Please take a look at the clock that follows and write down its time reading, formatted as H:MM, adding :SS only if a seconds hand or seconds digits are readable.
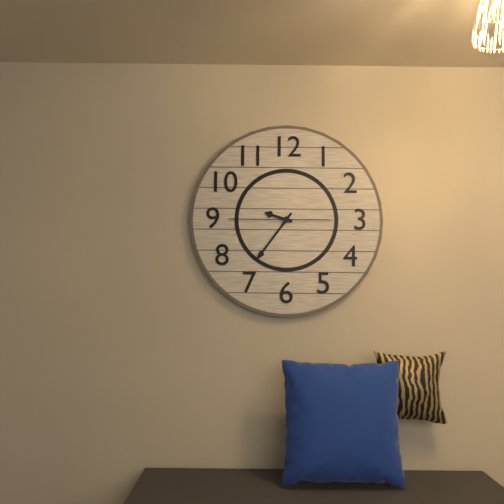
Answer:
9:36:45
